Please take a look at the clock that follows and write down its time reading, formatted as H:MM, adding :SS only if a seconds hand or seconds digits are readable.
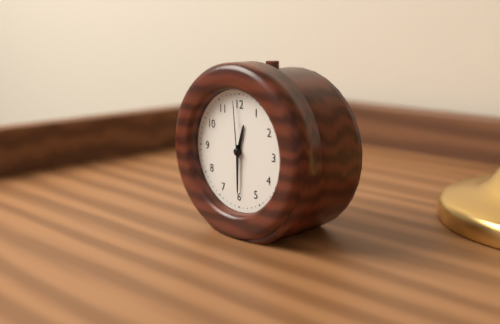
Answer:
12:30:59
